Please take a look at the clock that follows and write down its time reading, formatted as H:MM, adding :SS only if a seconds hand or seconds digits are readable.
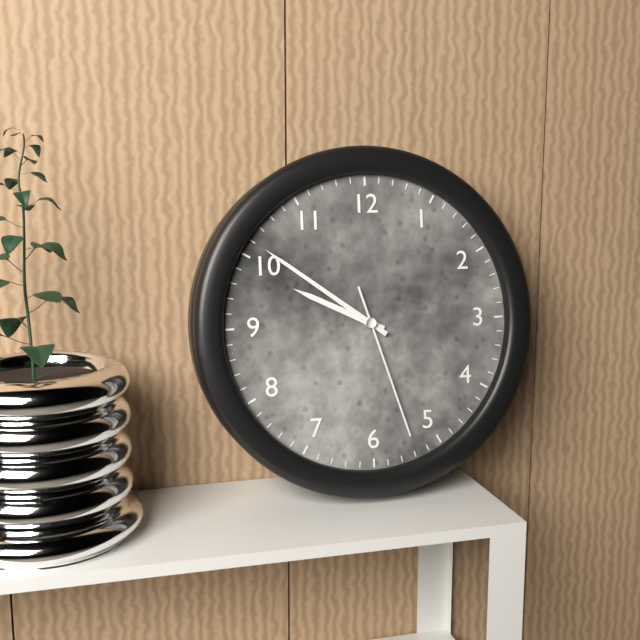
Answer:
9:51:27
